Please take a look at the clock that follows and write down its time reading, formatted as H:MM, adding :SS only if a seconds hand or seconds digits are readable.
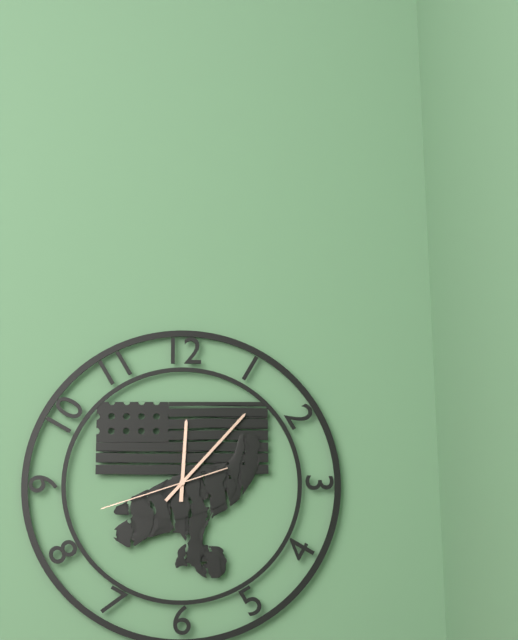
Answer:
12:07:42
